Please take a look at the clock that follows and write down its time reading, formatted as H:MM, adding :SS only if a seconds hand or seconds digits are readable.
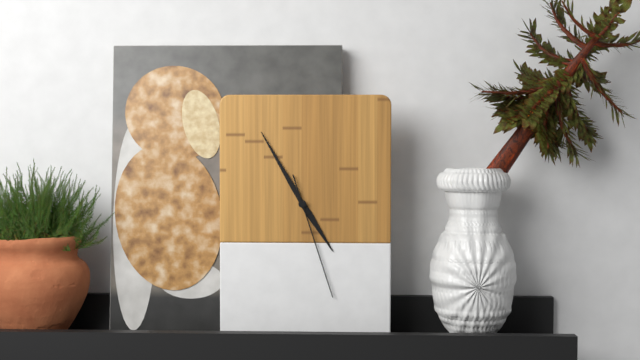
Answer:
4:55:27
